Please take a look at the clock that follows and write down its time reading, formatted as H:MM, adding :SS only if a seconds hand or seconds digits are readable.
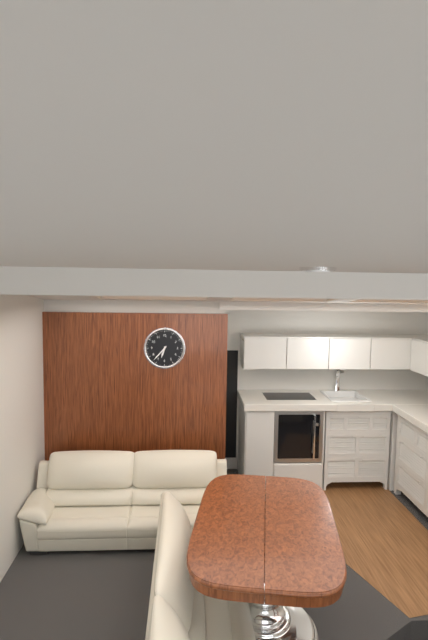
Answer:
6:37
